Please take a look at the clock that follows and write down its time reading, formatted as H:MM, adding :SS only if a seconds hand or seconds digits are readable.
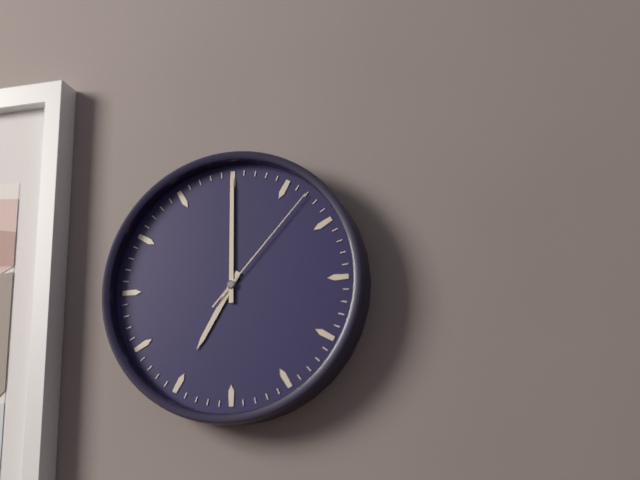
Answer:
7:00:07
